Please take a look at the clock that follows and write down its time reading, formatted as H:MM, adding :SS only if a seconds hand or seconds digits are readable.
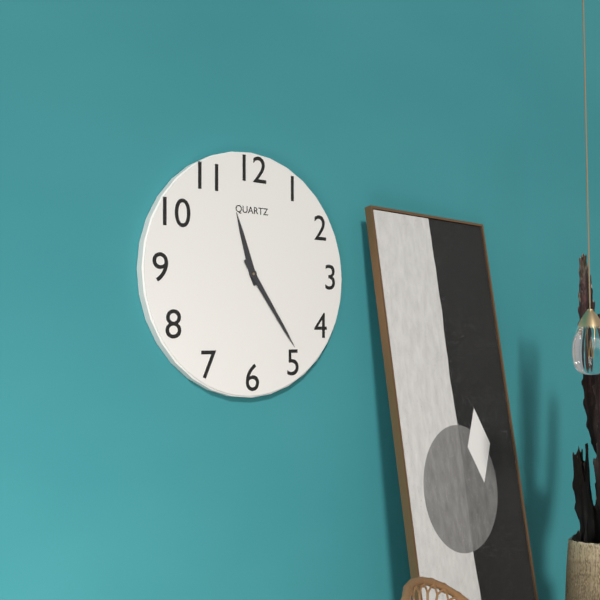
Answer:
11:24
